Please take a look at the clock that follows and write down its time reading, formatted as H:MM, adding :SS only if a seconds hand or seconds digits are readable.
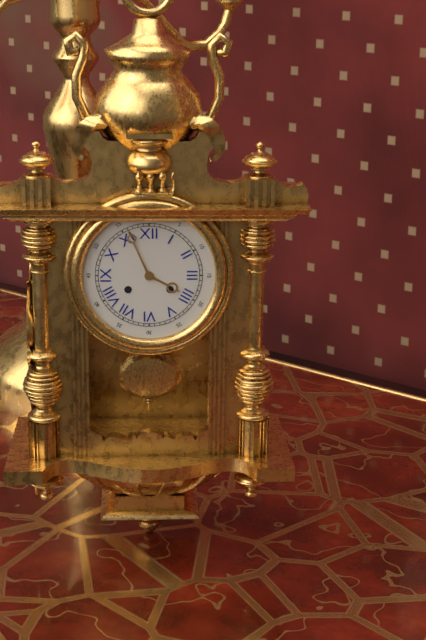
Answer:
3:56
